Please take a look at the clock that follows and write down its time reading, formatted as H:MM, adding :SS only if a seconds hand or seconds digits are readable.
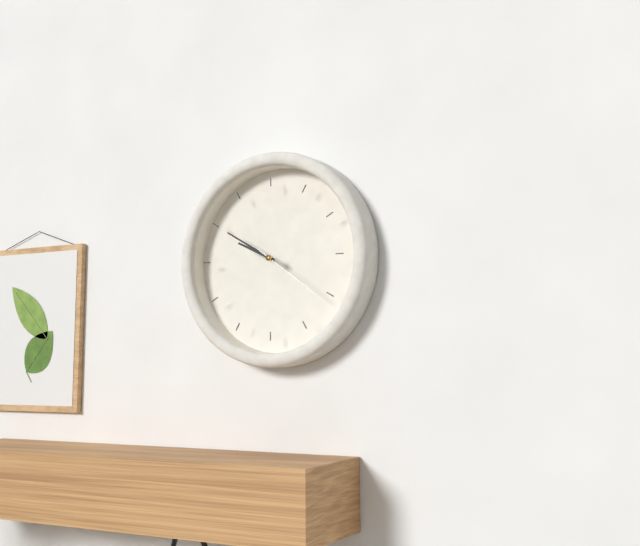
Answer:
9:50:21
